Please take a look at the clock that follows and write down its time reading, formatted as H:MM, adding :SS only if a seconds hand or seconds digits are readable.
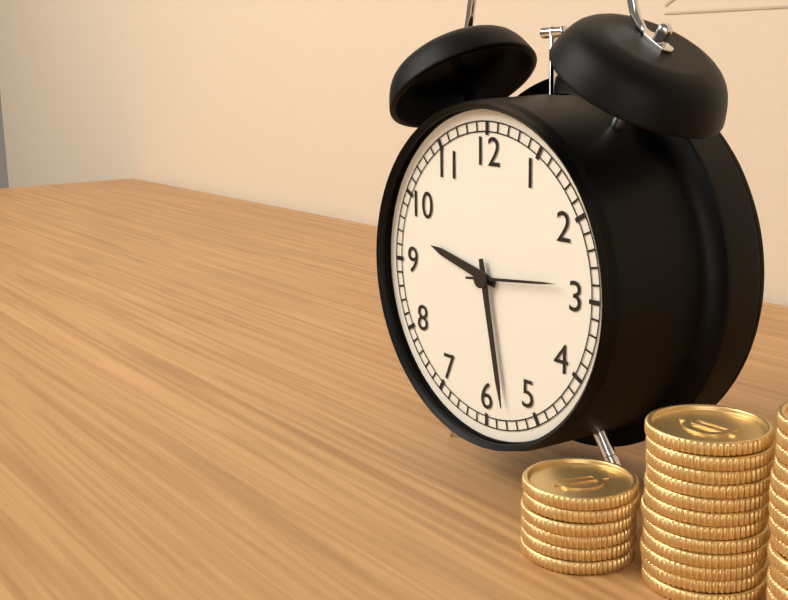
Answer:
9:28:14
